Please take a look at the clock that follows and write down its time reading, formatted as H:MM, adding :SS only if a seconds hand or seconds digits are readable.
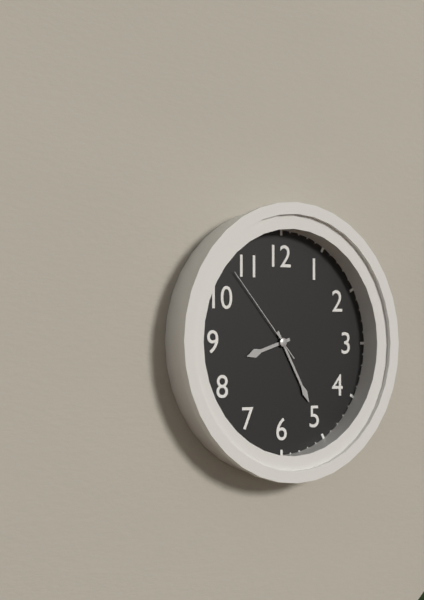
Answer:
8:25:53
